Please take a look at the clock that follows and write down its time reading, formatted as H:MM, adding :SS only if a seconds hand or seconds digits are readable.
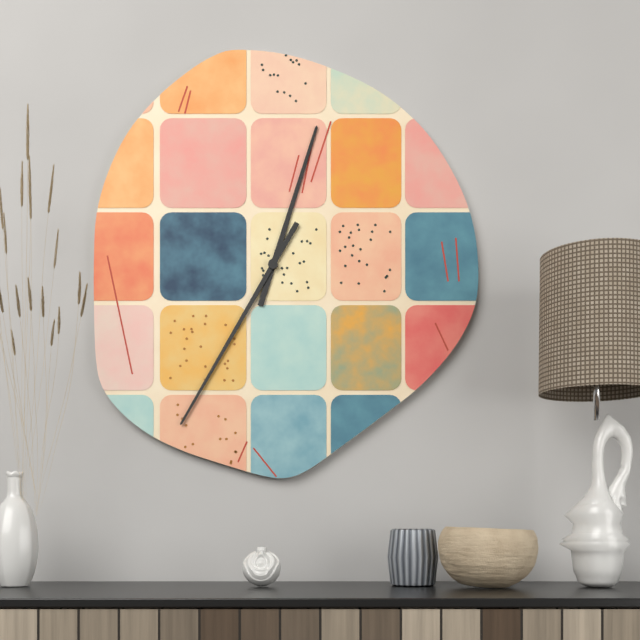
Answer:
12:35
